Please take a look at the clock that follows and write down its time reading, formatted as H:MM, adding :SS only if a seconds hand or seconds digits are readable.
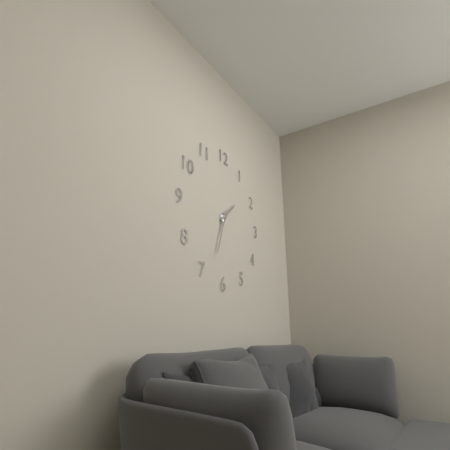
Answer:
1:33
